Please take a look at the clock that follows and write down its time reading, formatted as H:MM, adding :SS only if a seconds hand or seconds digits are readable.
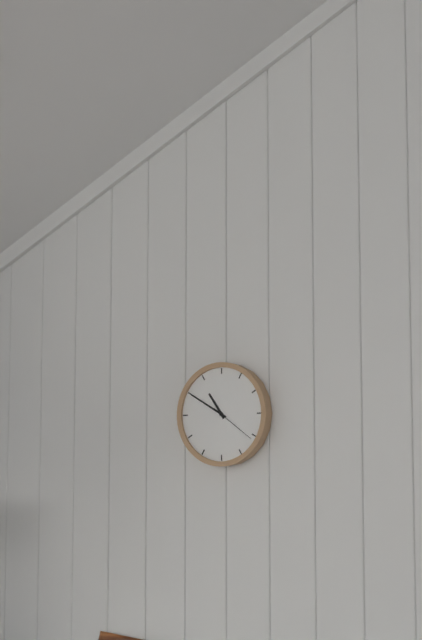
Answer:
10:50
